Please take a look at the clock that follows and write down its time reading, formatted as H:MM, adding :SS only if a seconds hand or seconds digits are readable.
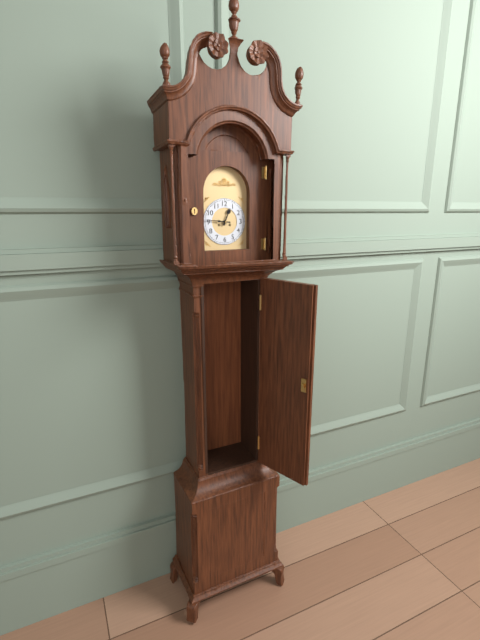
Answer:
12:46
